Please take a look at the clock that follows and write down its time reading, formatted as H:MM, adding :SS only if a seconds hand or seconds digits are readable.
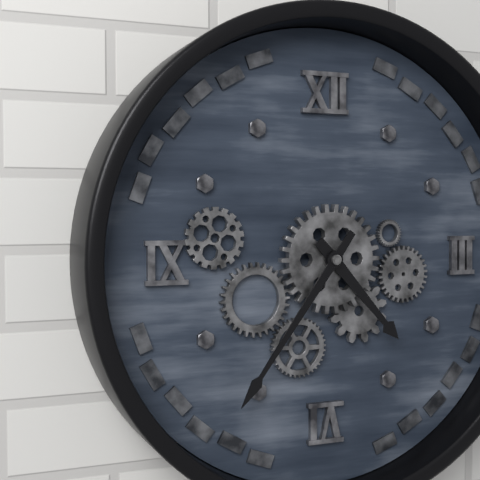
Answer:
4:36
